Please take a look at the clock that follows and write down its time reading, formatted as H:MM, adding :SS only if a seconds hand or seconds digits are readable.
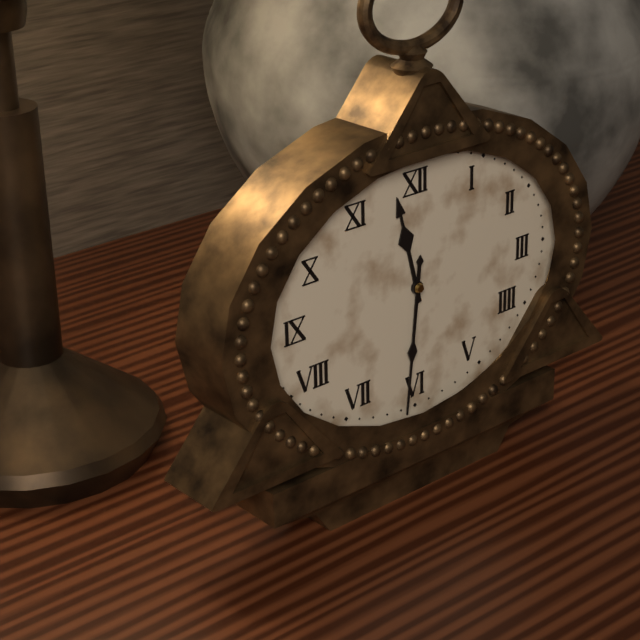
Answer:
11:31
